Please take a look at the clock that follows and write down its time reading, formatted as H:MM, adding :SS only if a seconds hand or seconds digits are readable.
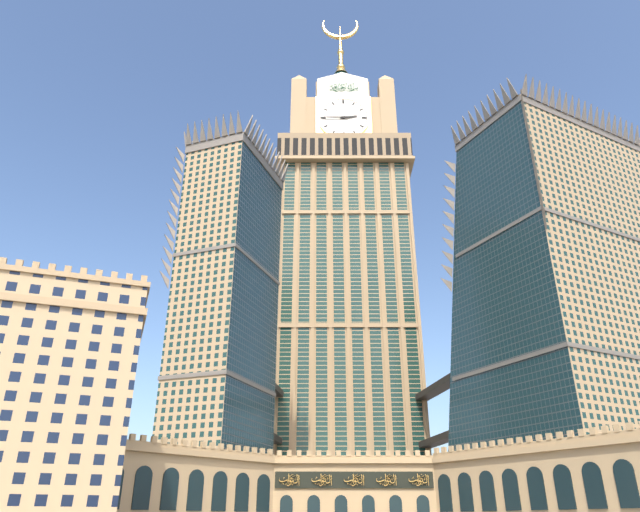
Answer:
2:45
